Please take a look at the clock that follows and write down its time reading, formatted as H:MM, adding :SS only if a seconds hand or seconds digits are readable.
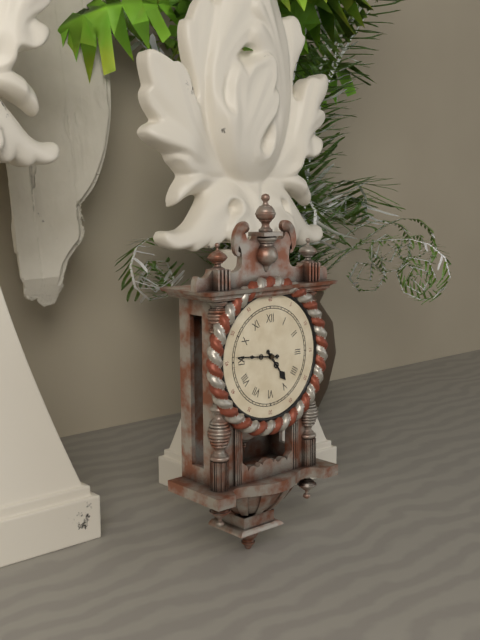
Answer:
4:46
